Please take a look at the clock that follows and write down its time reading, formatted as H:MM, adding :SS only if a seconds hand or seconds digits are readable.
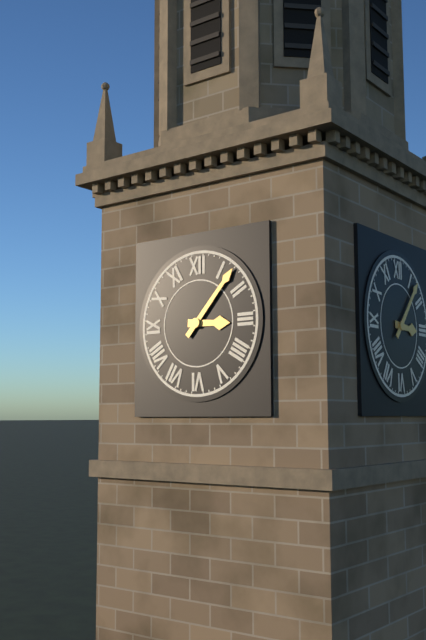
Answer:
3:07
